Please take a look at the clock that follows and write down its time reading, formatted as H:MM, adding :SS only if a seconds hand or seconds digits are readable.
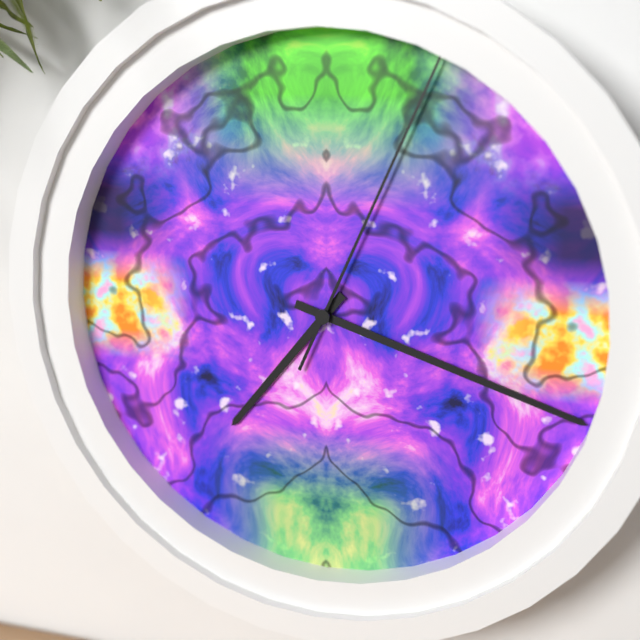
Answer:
7:18:04
